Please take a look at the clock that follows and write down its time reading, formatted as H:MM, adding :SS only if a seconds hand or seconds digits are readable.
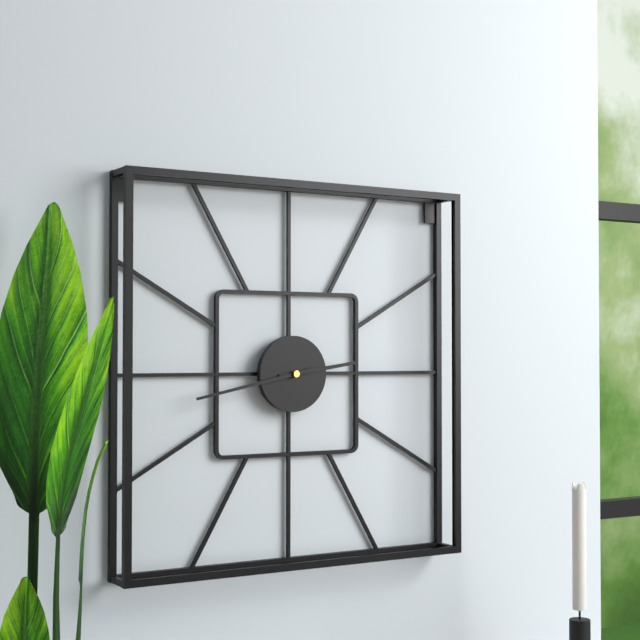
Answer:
2:43
